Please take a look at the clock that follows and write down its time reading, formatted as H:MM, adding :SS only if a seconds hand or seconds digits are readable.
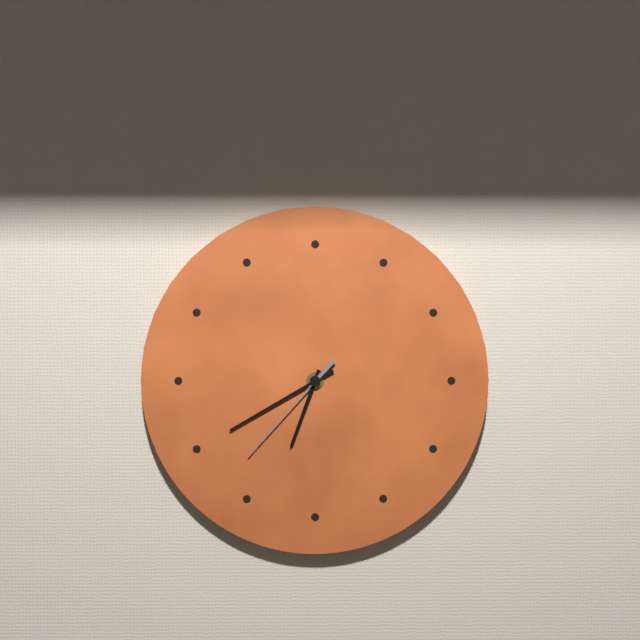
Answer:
6:40:37
